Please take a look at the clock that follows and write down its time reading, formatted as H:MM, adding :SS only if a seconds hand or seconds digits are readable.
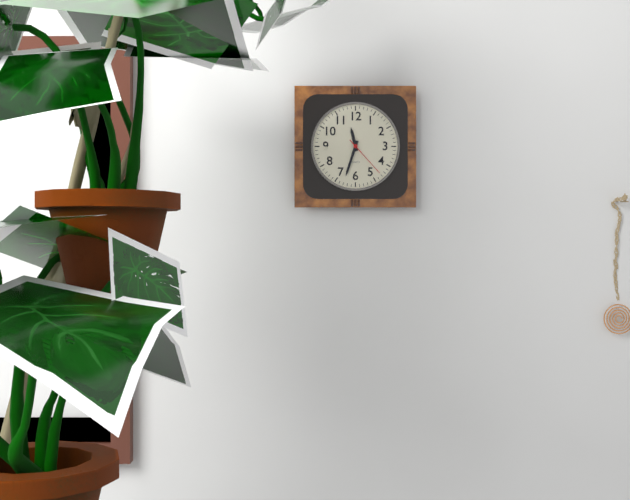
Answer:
11:33
